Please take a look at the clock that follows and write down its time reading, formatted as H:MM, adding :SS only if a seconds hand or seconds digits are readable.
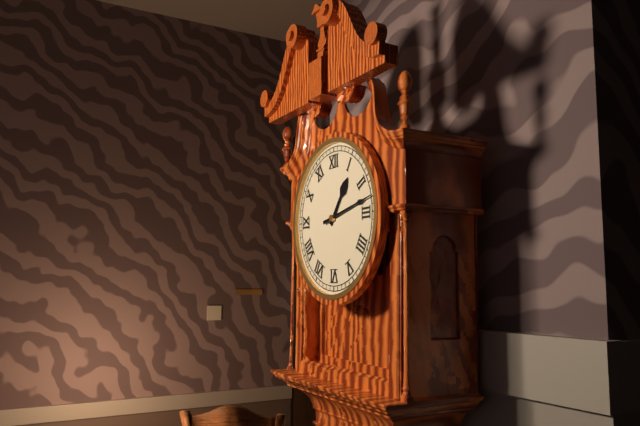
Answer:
1:13
